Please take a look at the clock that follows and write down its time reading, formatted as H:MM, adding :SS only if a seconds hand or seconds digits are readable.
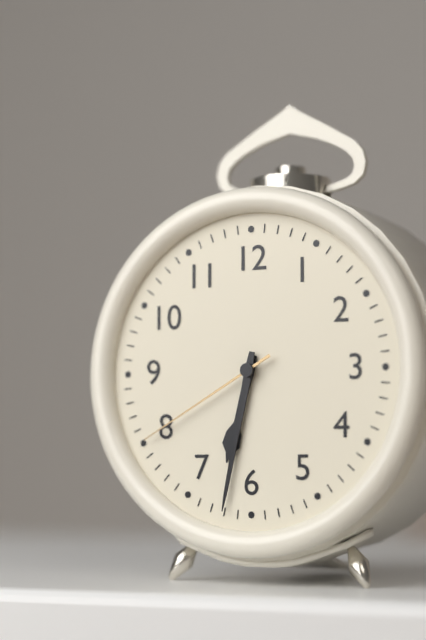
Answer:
6:32:40
